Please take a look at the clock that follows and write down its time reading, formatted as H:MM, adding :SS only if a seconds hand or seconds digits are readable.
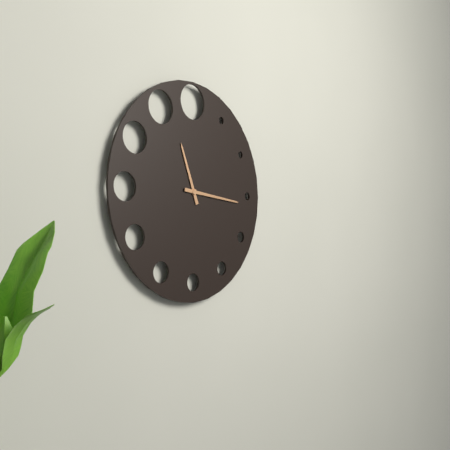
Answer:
11:16
